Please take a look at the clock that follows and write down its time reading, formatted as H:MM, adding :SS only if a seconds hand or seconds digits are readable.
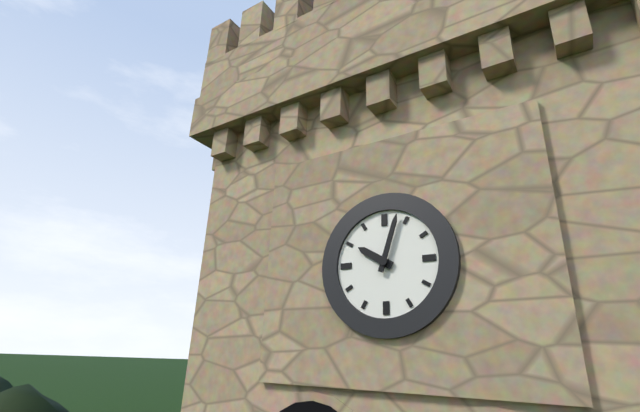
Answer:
10:03
